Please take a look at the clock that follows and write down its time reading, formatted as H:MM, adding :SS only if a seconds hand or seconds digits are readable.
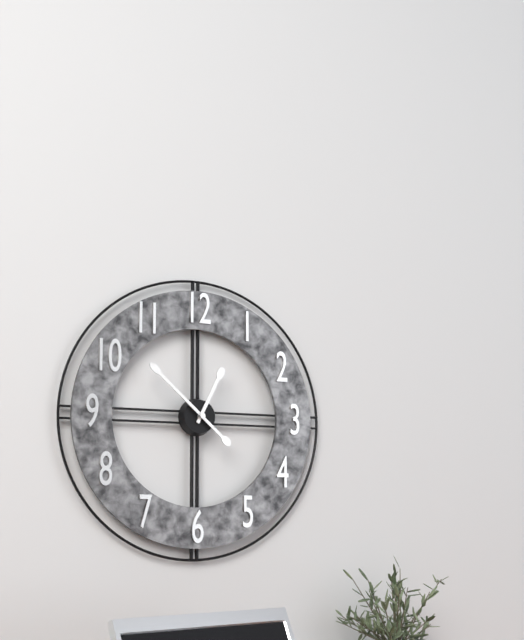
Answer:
12:52
